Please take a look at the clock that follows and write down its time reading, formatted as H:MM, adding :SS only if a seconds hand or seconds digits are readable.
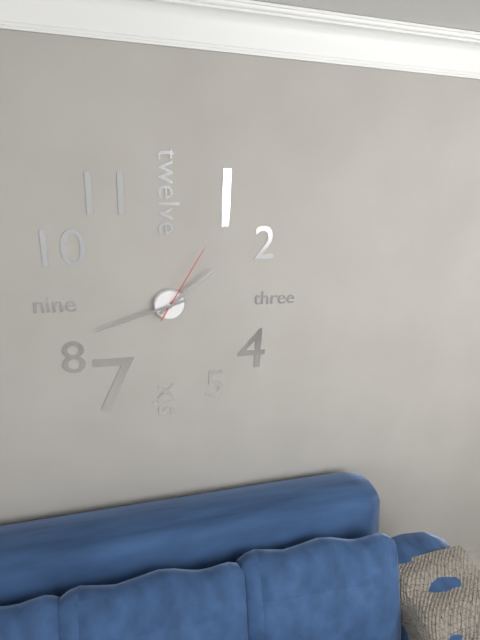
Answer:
1:42:05
